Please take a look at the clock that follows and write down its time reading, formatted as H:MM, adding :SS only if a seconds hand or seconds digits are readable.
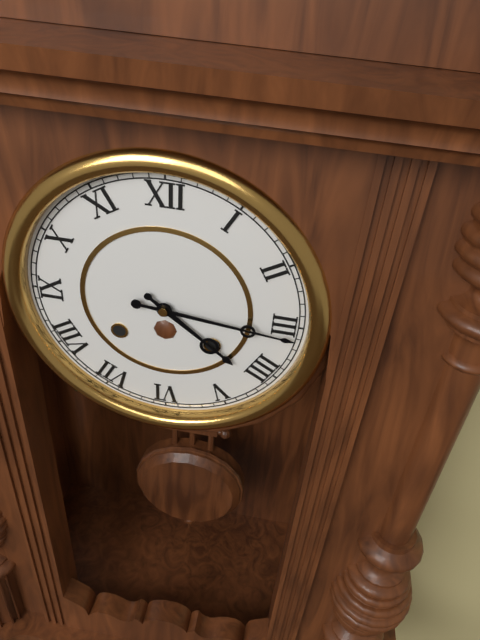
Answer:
4:16
